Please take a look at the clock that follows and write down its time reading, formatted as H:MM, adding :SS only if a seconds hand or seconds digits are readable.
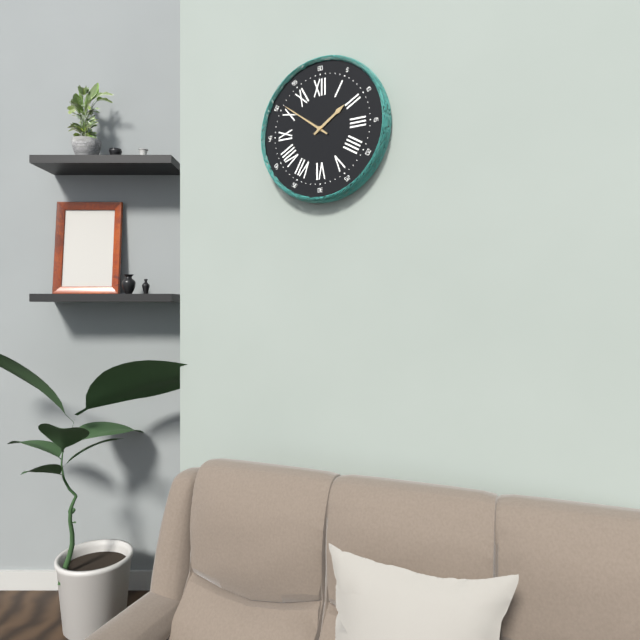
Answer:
1:51
